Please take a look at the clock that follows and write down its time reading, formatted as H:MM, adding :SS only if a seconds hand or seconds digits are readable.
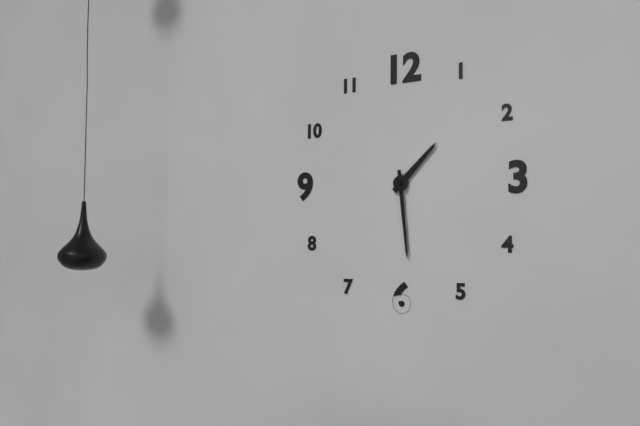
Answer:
1:29
